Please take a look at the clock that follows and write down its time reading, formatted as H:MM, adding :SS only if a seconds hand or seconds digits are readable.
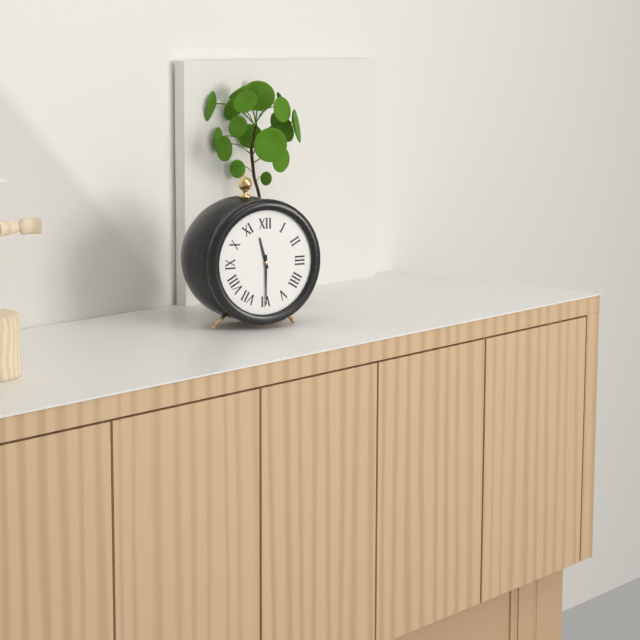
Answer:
11:30
